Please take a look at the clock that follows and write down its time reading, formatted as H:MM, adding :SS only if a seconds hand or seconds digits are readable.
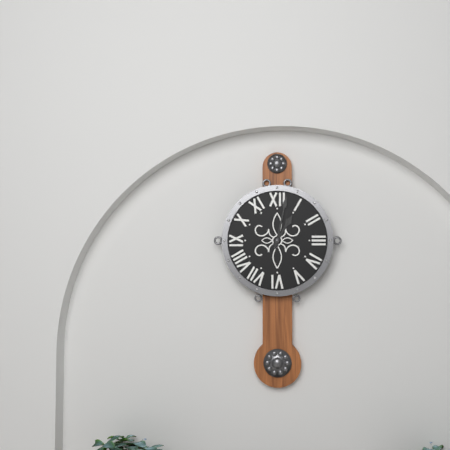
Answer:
1:02
